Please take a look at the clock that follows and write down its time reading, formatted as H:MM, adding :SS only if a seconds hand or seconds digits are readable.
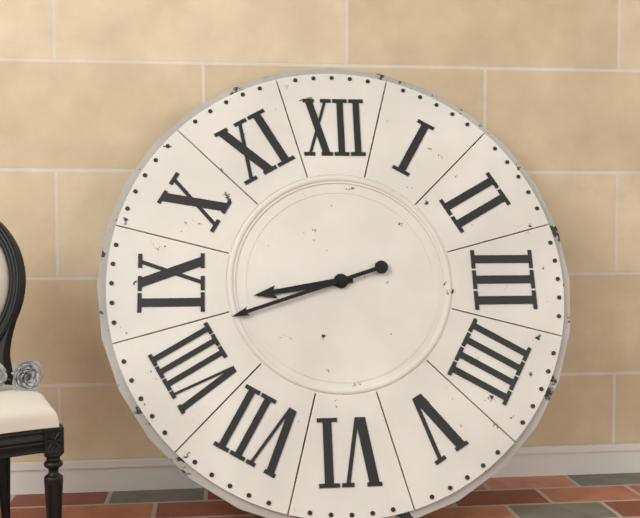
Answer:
8:42
